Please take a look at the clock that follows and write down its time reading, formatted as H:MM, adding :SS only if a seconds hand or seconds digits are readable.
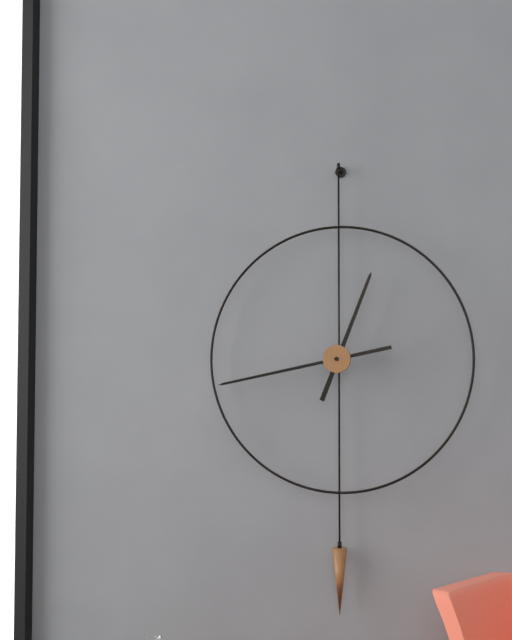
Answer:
12:43
